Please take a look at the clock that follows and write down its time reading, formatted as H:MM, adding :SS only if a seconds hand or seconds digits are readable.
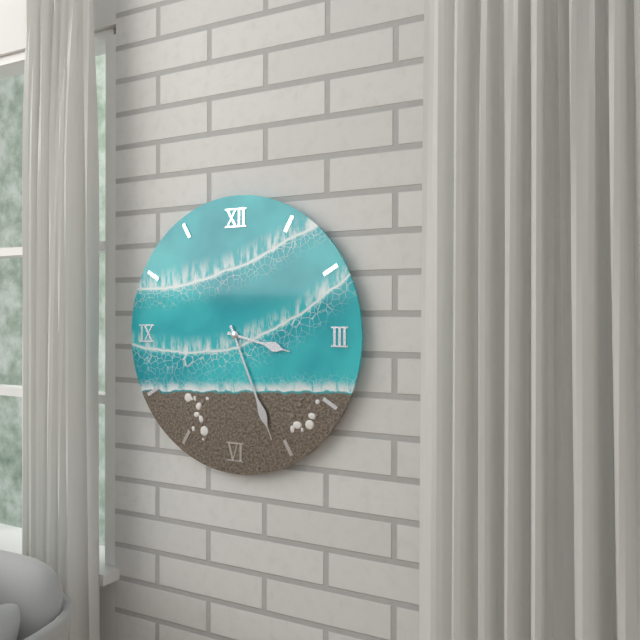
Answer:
3:26
